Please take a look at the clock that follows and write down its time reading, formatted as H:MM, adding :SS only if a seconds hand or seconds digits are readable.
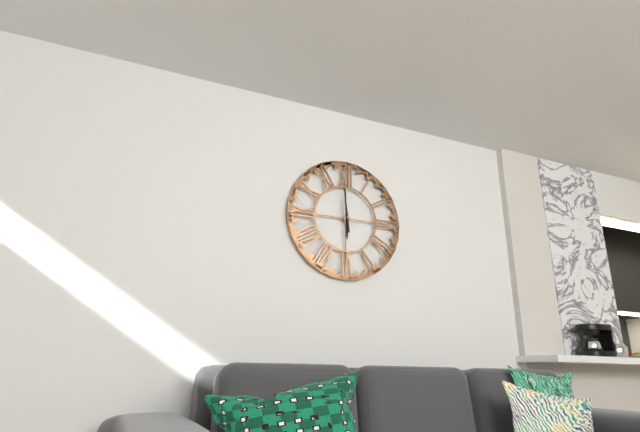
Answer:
5:59
